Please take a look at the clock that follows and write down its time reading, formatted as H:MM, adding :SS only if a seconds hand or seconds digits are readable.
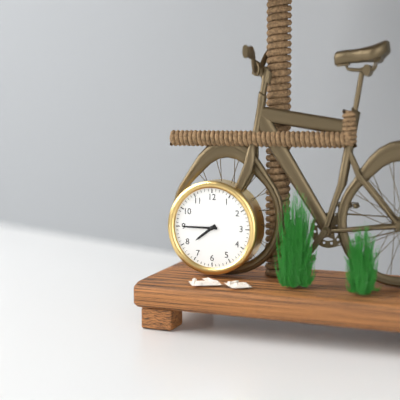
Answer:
7:45
